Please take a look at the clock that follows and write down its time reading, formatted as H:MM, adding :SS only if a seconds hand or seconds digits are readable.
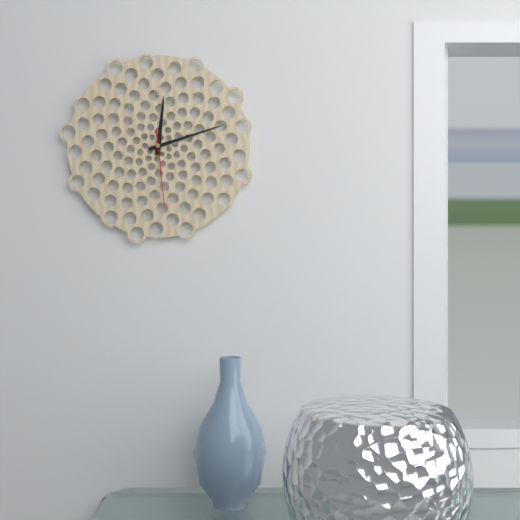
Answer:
12:12:29
